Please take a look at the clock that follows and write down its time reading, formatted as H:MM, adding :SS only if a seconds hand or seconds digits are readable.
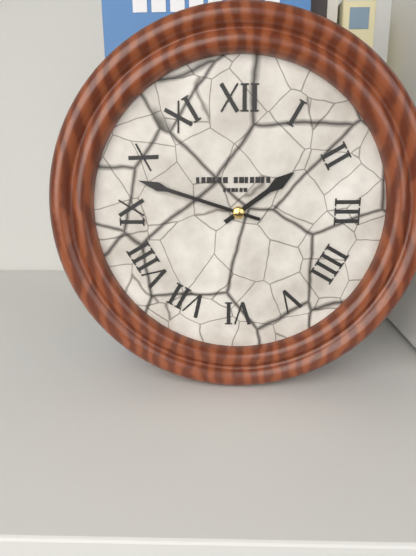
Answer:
1:48
